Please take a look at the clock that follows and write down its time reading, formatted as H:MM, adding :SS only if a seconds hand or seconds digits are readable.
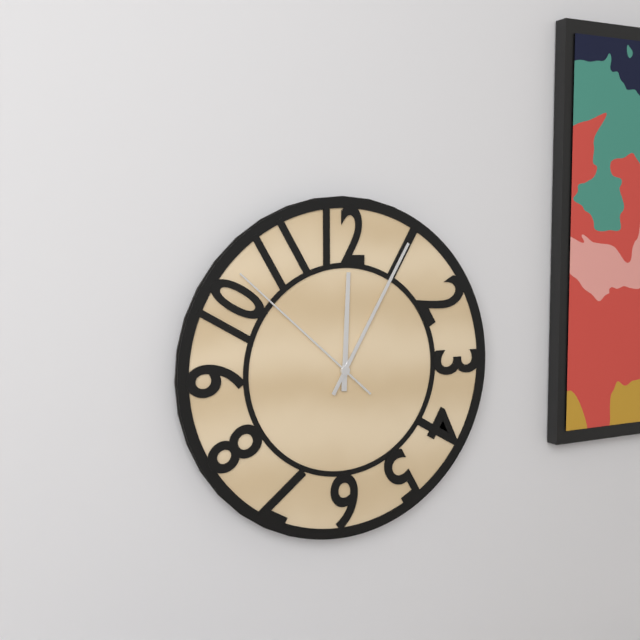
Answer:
12:05:52
